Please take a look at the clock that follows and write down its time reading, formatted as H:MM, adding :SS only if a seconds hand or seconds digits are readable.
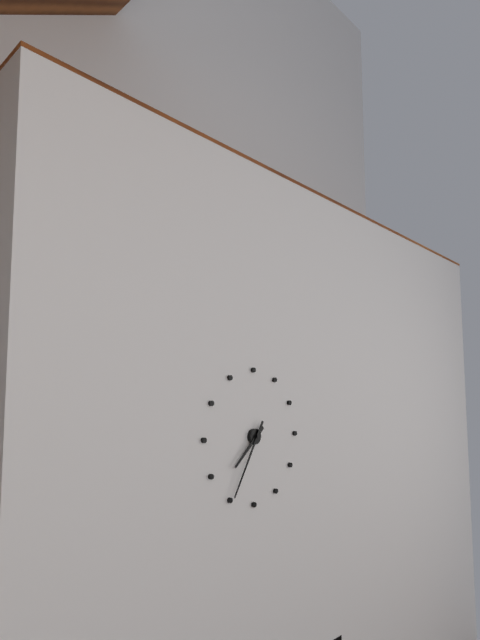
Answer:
7:35
